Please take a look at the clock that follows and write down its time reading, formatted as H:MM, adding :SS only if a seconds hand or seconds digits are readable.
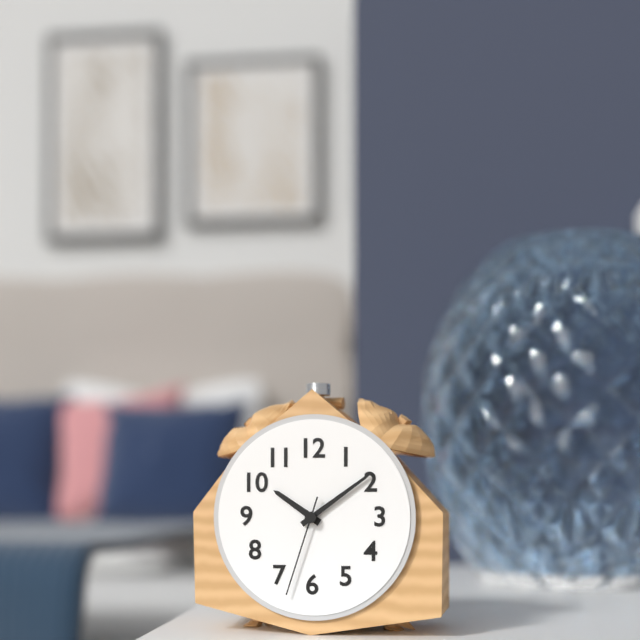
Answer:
10:09:33
